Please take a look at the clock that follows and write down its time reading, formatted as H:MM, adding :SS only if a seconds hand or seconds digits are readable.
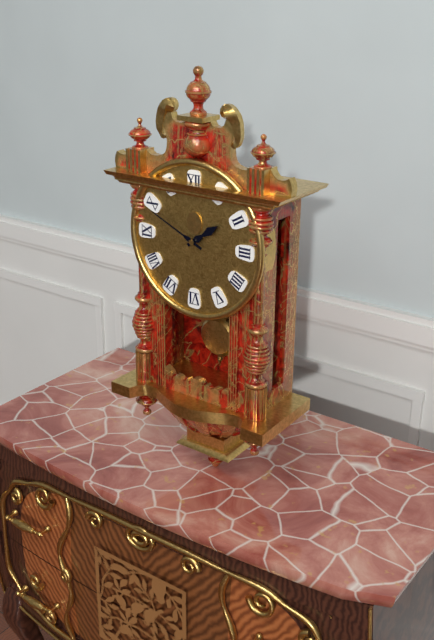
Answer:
1:49
